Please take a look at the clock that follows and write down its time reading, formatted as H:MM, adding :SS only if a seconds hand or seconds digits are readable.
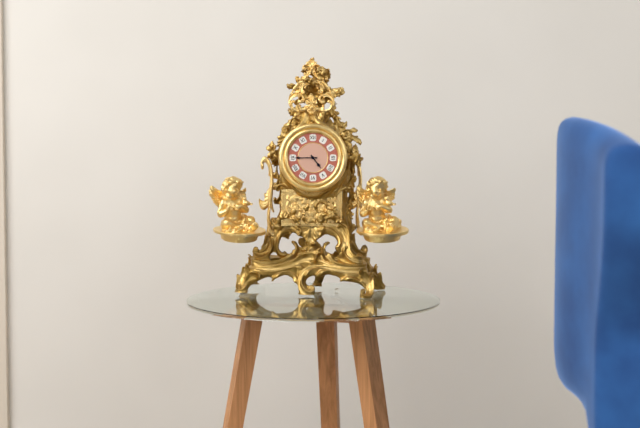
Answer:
4:45
